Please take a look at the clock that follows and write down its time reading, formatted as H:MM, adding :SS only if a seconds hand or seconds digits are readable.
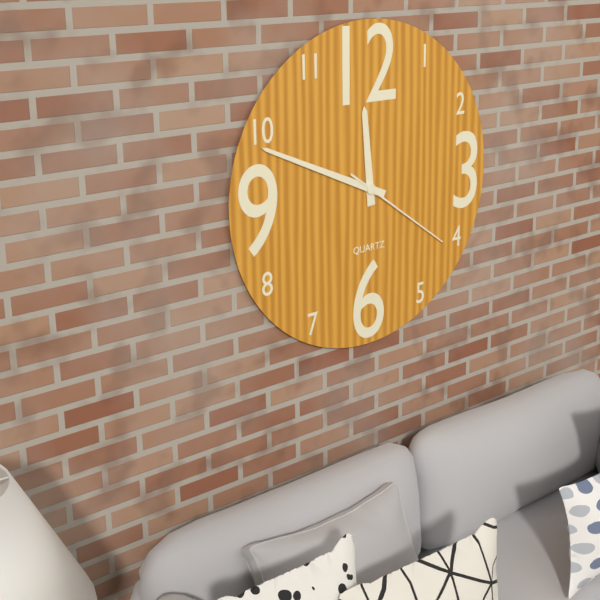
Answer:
11:49:21
